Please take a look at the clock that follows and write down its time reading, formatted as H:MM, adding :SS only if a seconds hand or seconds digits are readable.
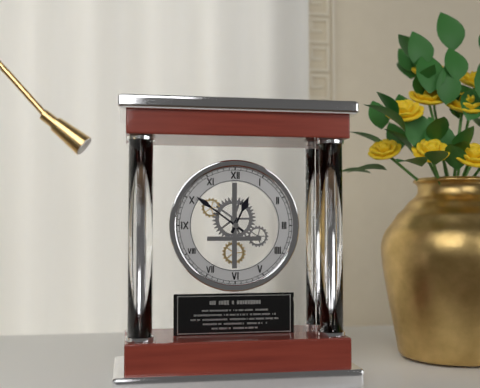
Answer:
12:51
